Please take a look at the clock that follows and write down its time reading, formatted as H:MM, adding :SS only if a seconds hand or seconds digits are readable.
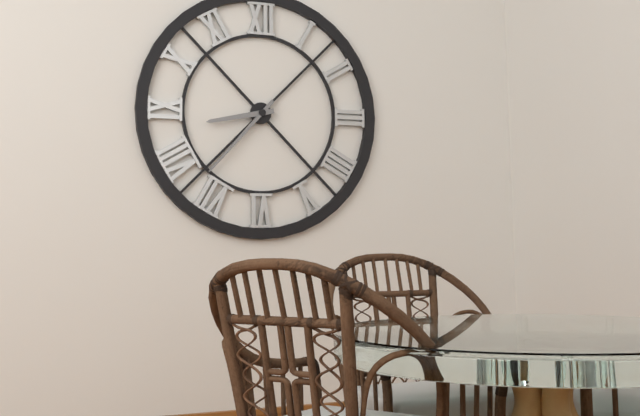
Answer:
8:37
